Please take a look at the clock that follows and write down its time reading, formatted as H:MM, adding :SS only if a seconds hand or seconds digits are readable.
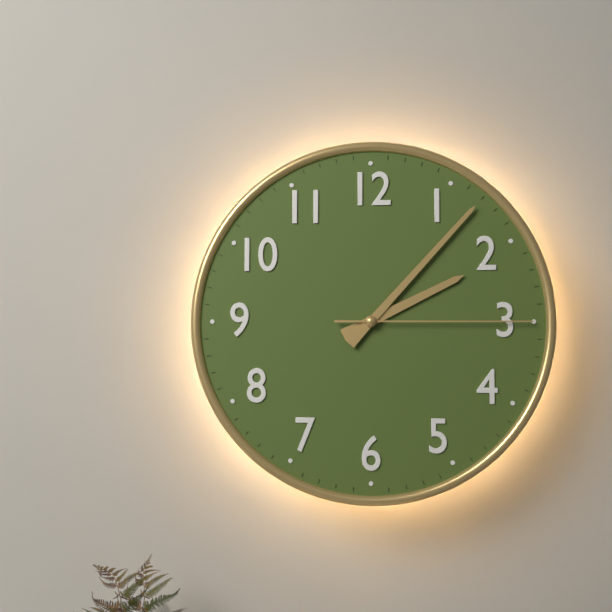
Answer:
2:07:15
